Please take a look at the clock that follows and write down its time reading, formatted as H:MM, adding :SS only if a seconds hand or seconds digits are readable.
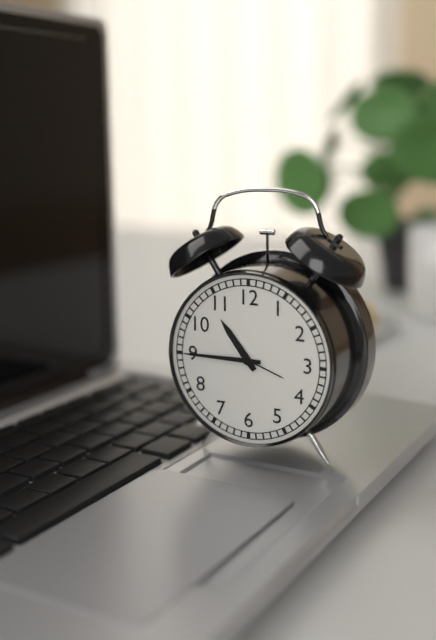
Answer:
10:45
